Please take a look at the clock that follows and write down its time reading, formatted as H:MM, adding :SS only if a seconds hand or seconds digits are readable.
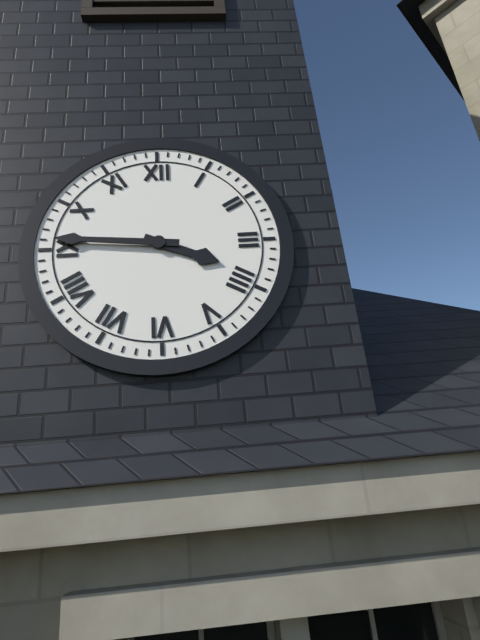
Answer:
3:46
